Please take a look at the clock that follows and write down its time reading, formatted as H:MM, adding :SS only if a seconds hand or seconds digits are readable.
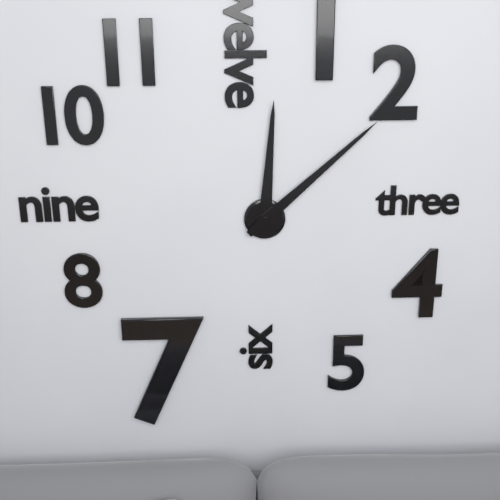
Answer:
12:08
